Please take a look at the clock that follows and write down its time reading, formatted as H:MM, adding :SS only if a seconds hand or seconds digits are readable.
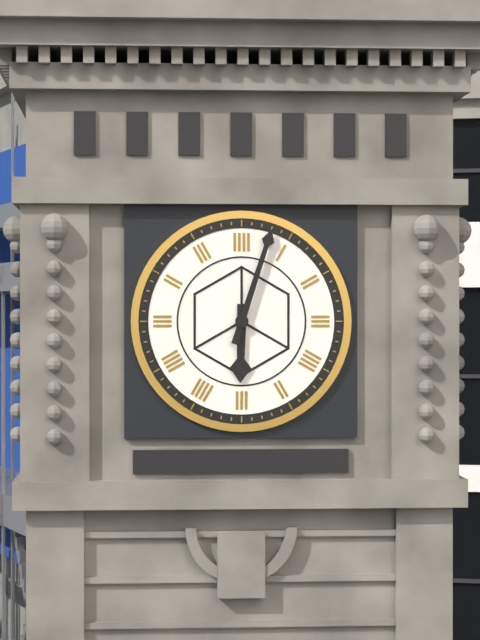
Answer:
6:03
